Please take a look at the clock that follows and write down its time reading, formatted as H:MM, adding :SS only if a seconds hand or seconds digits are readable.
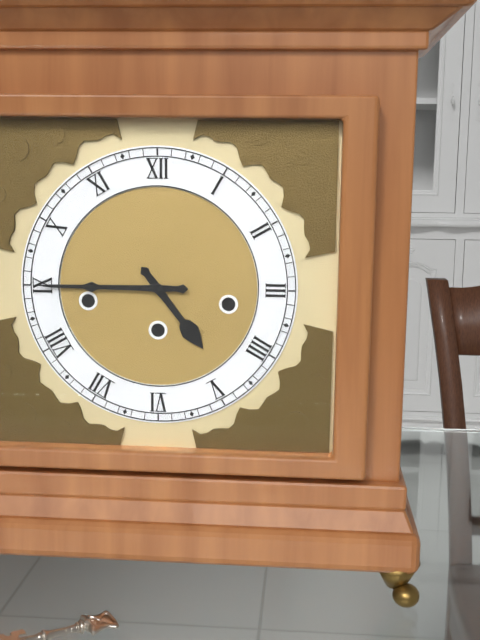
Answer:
4:45
